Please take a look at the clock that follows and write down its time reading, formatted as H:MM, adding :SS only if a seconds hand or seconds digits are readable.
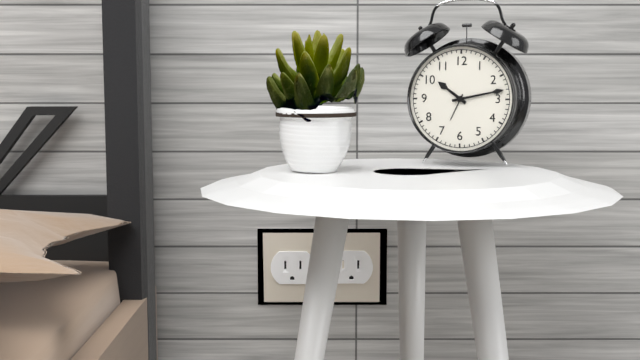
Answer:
10:13
